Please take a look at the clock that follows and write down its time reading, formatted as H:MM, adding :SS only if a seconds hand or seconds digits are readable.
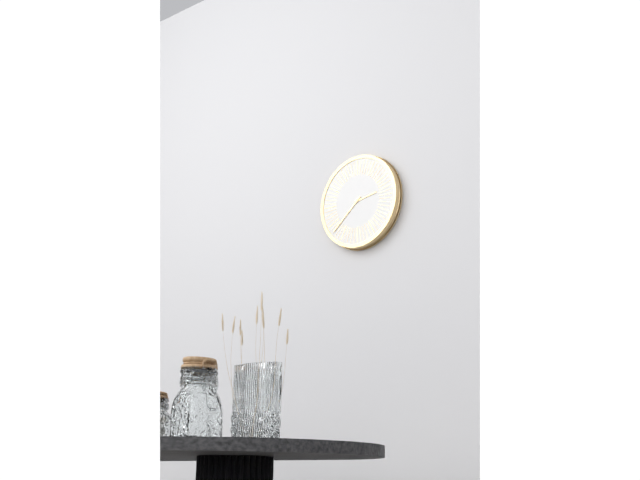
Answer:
2:38
